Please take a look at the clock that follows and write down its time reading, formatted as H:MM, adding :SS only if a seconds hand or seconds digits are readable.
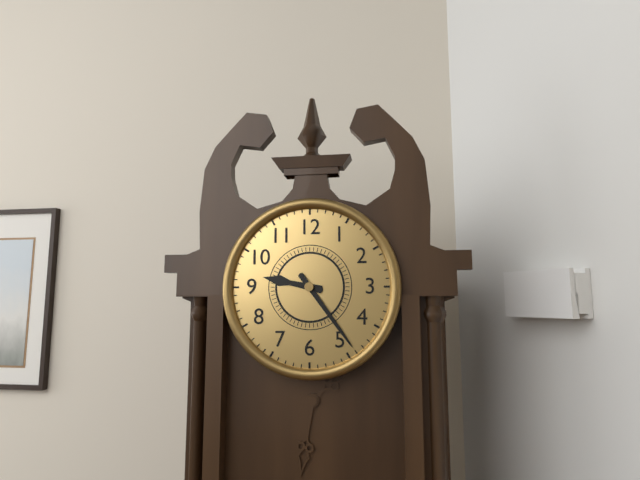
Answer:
9:24
